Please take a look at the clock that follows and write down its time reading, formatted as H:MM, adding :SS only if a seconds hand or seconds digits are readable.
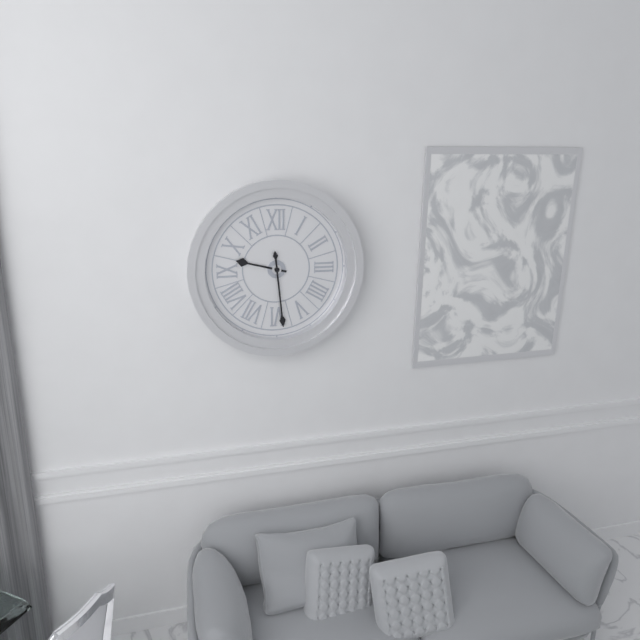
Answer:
9:29
